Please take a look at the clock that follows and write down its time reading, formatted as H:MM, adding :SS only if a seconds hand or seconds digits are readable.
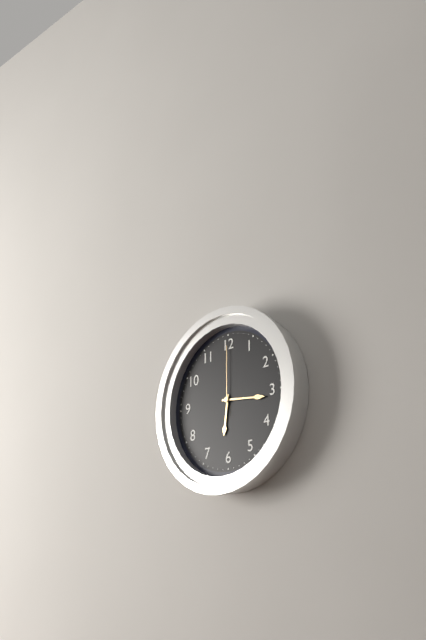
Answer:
6:16:00
